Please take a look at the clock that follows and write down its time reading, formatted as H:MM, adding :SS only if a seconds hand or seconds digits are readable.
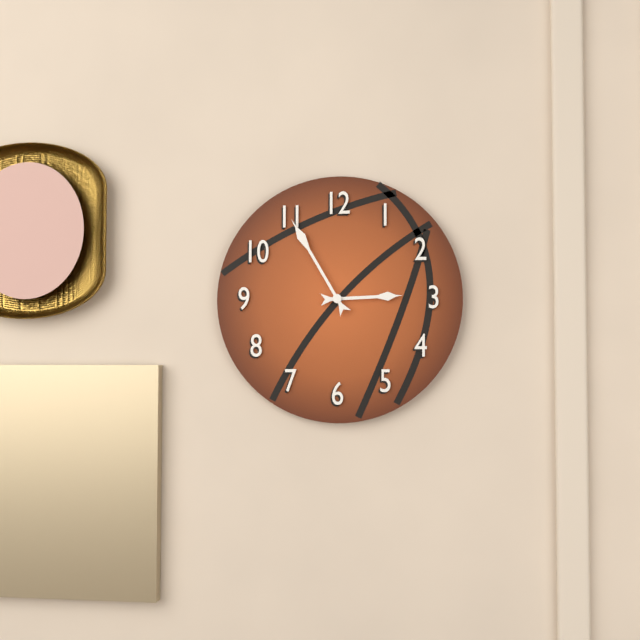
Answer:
2:55
